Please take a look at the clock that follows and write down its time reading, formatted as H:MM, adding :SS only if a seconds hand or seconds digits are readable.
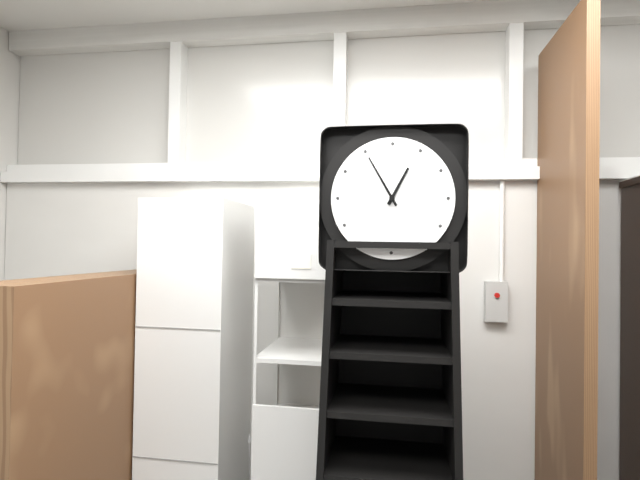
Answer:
12:55
